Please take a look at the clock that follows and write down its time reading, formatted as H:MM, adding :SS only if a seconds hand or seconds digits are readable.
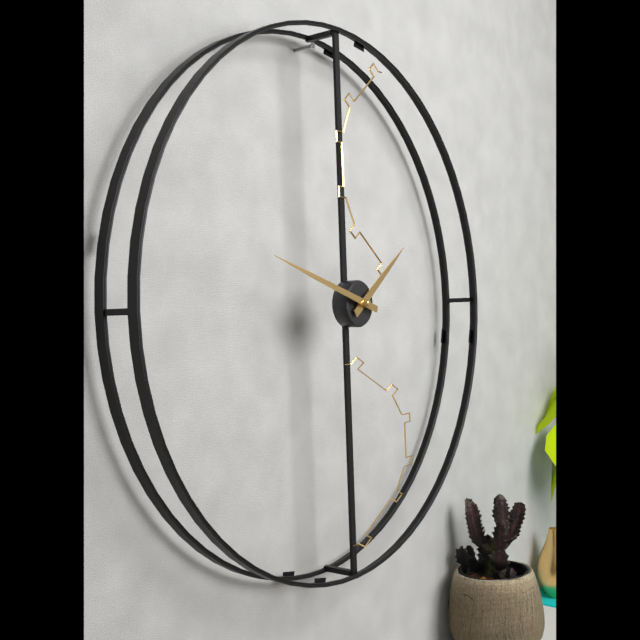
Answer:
1:48
